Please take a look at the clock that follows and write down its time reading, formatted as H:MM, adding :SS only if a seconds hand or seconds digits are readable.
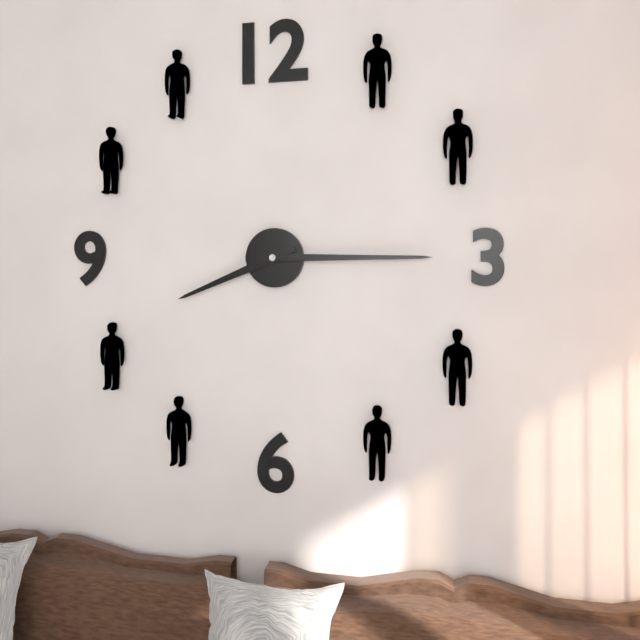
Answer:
8:15
